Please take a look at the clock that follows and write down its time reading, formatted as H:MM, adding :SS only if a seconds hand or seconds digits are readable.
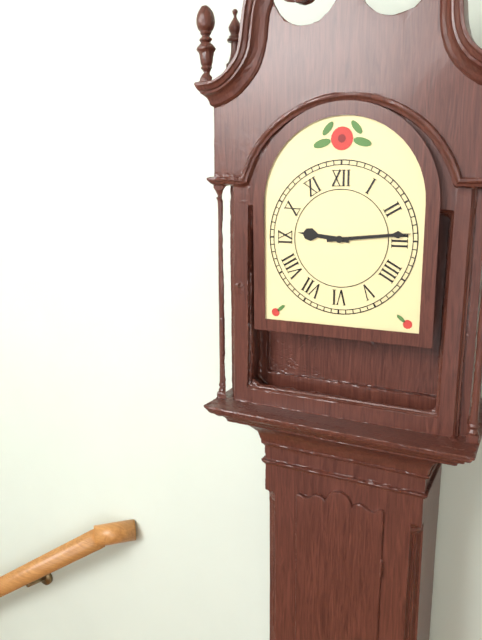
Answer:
9:14
